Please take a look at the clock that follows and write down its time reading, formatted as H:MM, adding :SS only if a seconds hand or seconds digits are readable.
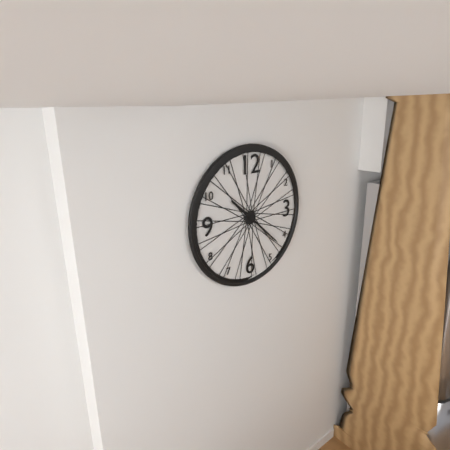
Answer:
10:22
